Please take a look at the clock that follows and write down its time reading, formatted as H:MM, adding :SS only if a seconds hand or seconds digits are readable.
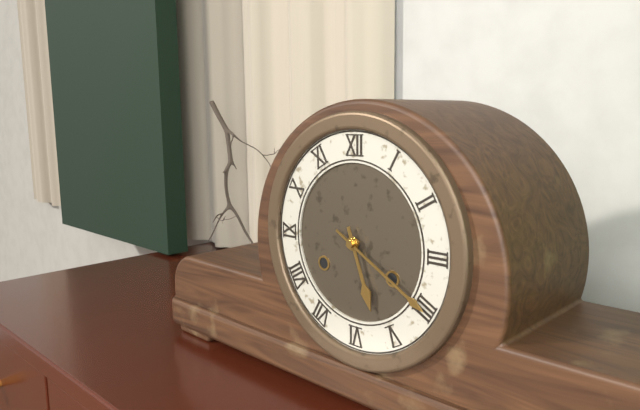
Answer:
5:20
